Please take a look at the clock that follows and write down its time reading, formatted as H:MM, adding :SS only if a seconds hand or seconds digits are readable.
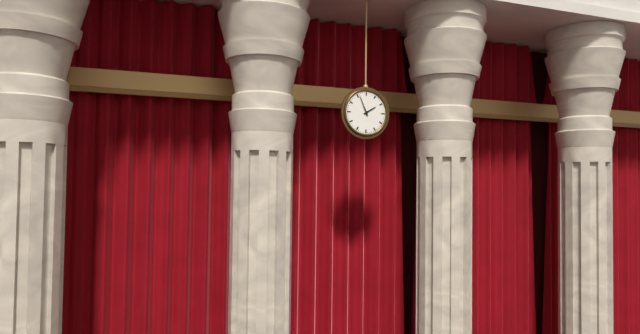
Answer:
1:56
